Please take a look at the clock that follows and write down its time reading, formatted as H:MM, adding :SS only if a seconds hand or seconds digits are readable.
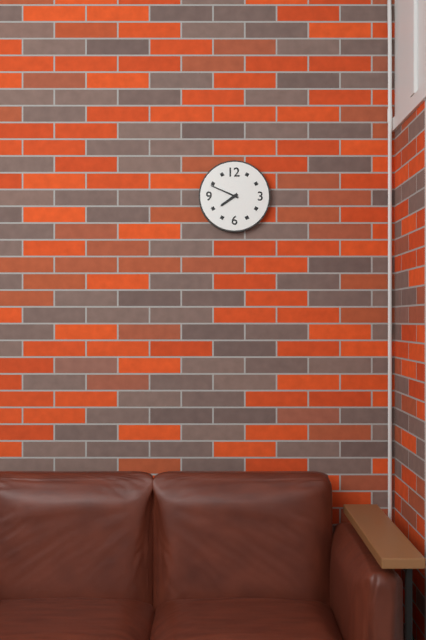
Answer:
7:49
